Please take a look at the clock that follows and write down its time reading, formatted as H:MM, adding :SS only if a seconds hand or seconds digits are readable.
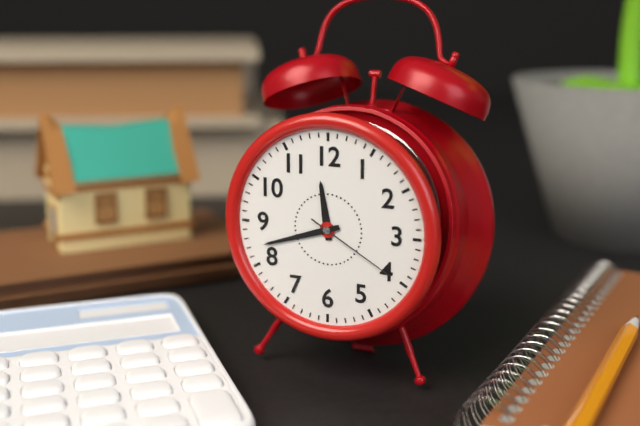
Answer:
11:42:20
